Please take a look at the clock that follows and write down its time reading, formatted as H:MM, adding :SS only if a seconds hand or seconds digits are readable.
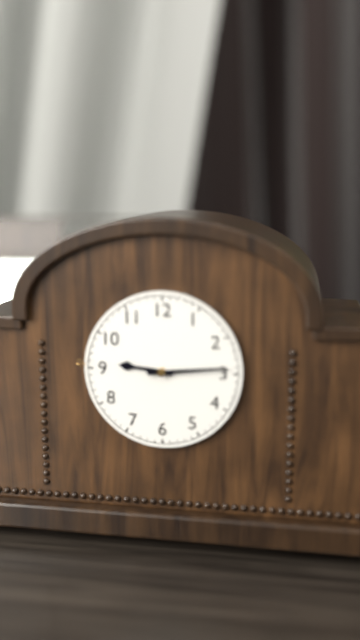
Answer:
9:14
